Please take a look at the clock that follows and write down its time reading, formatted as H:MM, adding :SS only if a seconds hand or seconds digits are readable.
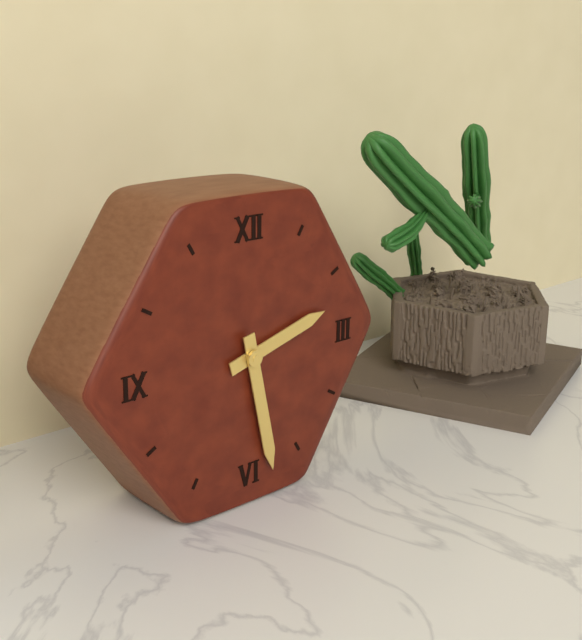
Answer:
2:28
